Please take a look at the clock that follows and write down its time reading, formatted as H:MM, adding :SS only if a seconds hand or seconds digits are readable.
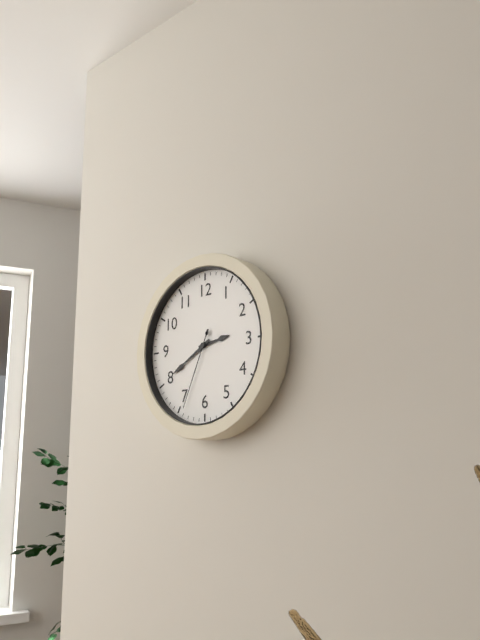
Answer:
2:40:34
